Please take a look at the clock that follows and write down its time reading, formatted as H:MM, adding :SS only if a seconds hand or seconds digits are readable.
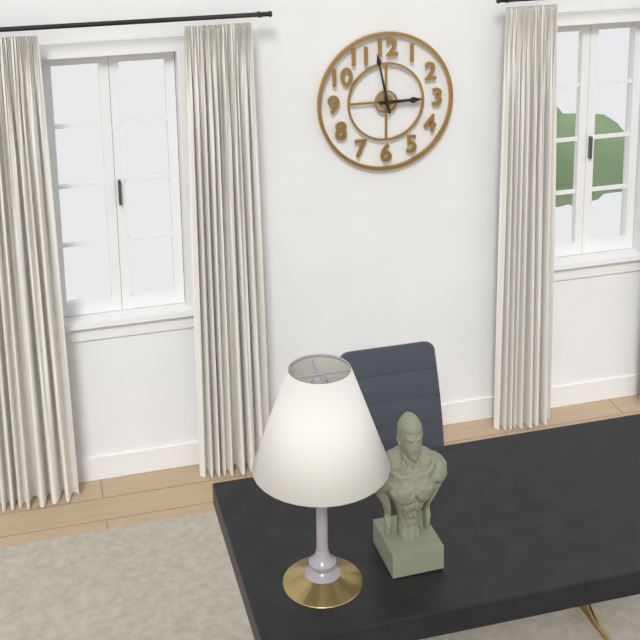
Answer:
2:58
